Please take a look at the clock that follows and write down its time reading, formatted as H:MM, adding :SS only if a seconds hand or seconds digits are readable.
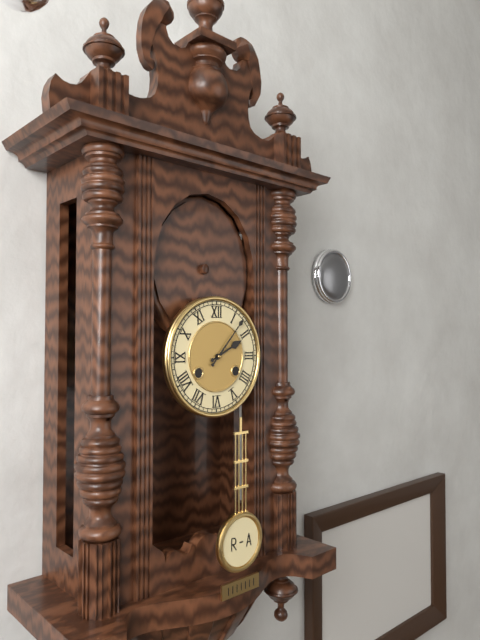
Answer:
2:07
